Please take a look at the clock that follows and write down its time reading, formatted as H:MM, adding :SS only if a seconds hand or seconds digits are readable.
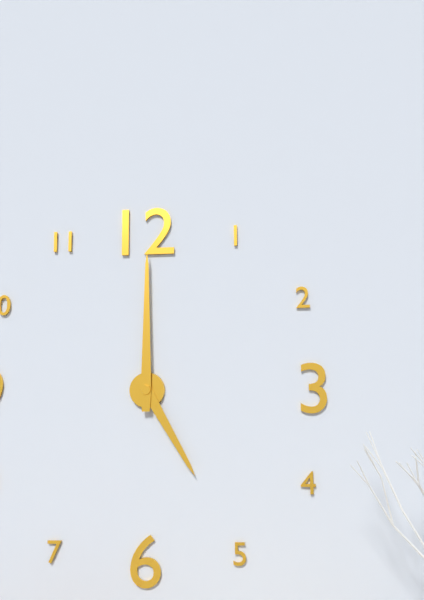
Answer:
5:00
